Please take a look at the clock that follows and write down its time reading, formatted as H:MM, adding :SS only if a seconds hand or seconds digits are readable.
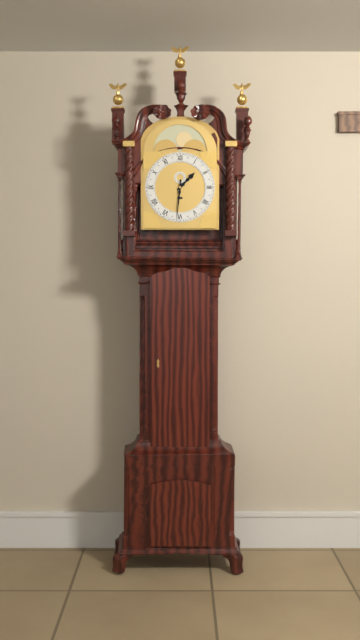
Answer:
1:31
